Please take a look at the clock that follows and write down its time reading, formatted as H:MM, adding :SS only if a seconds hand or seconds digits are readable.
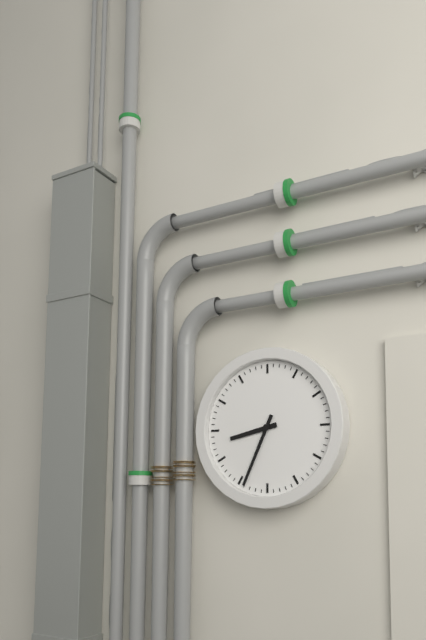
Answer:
8:34
